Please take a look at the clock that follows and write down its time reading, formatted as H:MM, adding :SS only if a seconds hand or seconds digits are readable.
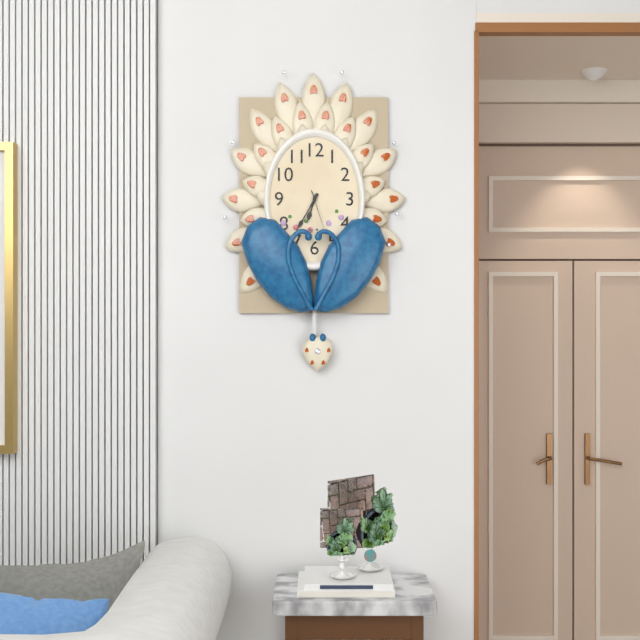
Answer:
6:35
